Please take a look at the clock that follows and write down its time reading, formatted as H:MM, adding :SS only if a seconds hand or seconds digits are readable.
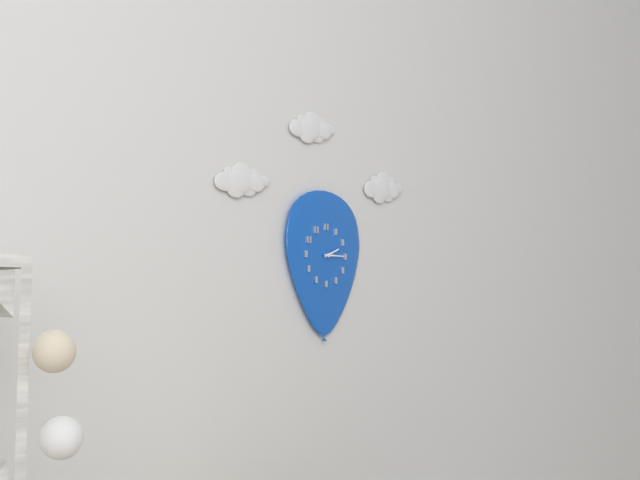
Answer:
2:15
